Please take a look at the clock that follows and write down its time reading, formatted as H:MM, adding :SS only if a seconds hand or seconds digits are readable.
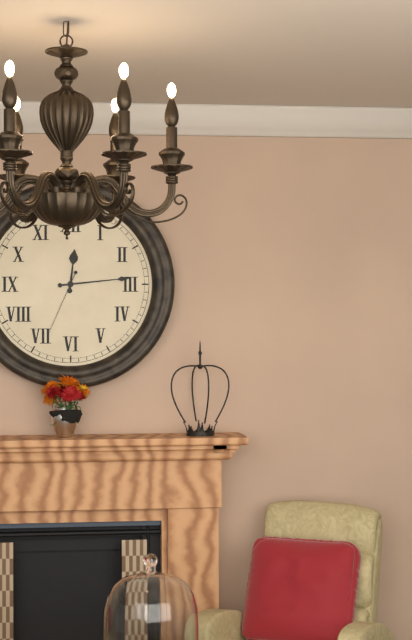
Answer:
12:14:34
